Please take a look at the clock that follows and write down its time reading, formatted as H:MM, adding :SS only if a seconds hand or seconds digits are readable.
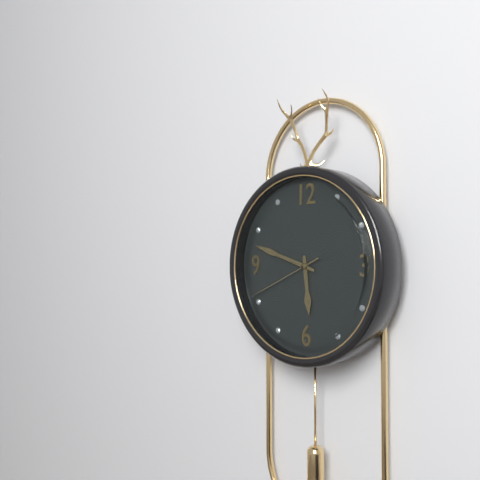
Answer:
5:48:41
